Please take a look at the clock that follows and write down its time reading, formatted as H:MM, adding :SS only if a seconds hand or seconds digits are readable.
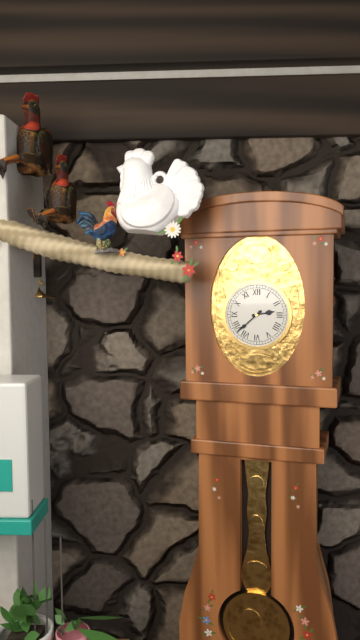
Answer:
2:38
